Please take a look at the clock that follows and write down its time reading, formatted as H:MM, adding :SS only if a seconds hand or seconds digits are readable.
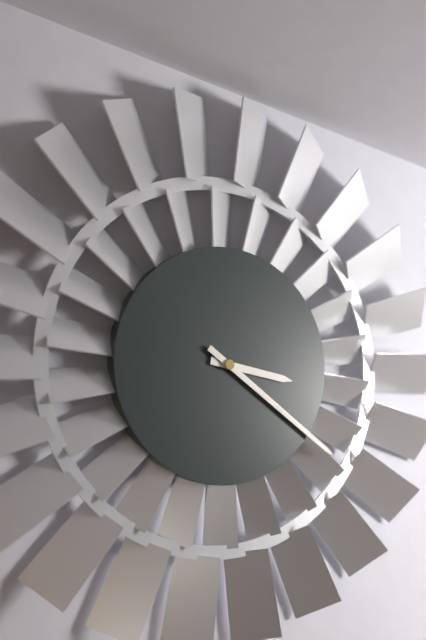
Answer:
3:21
